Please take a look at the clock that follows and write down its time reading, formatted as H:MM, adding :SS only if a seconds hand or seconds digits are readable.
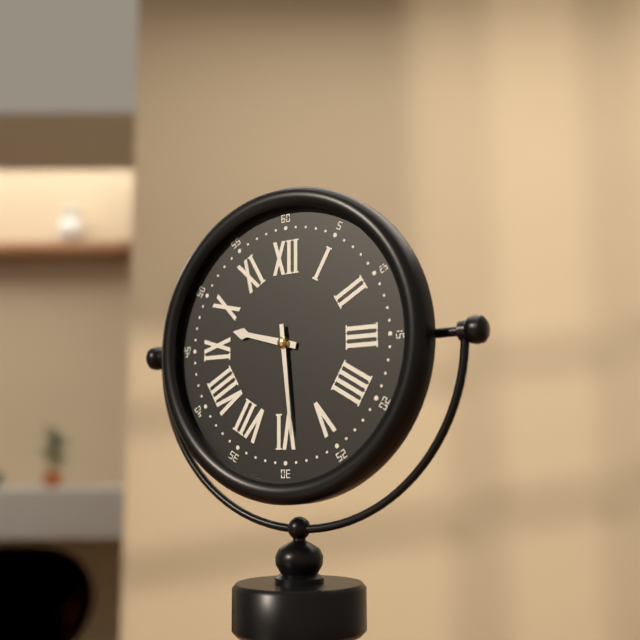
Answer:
9:29
